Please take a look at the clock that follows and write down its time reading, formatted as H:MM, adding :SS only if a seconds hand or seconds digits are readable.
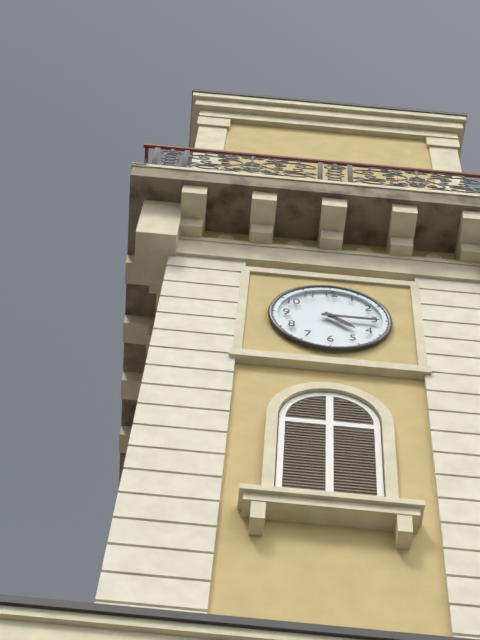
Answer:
4:15
